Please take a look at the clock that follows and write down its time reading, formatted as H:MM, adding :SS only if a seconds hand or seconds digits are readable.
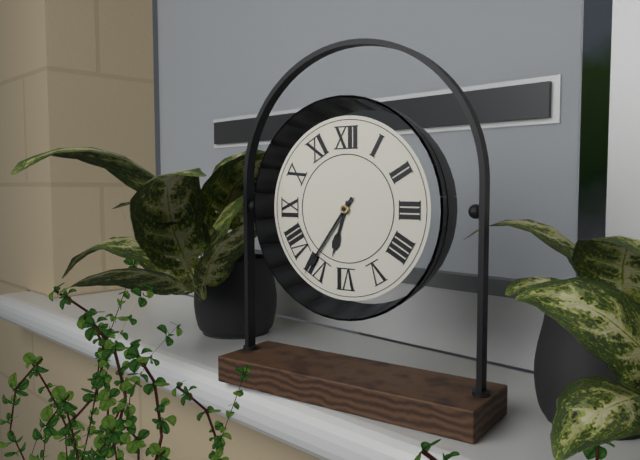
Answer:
6:36
